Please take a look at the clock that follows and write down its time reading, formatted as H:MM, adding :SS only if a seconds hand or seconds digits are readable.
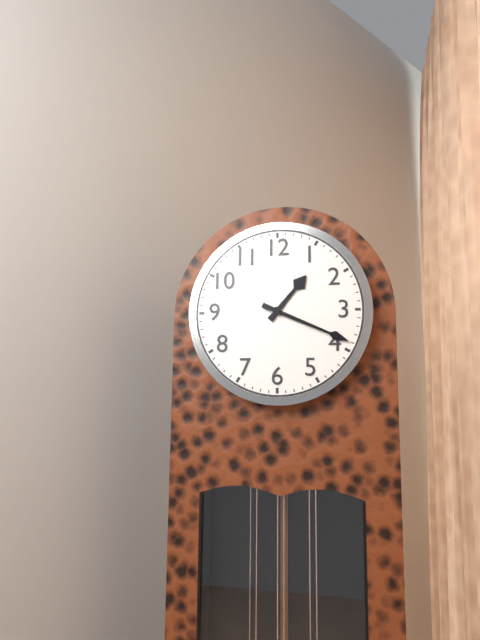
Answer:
1:19
